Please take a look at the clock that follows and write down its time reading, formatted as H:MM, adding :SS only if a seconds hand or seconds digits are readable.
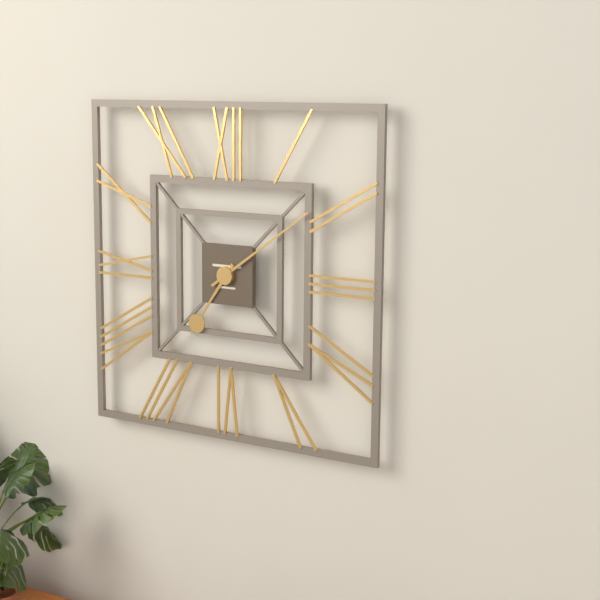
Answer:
7:09
